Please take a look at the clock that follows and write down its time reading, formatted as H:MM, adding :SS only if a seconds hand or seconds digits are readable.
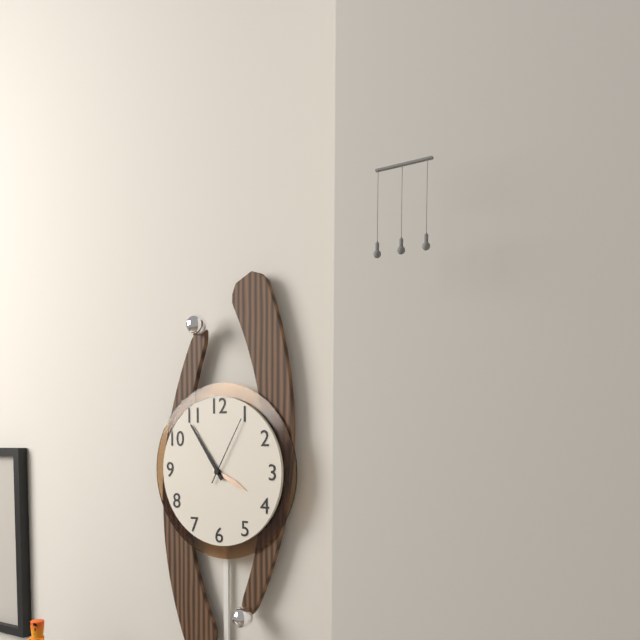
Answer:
3:54:05
